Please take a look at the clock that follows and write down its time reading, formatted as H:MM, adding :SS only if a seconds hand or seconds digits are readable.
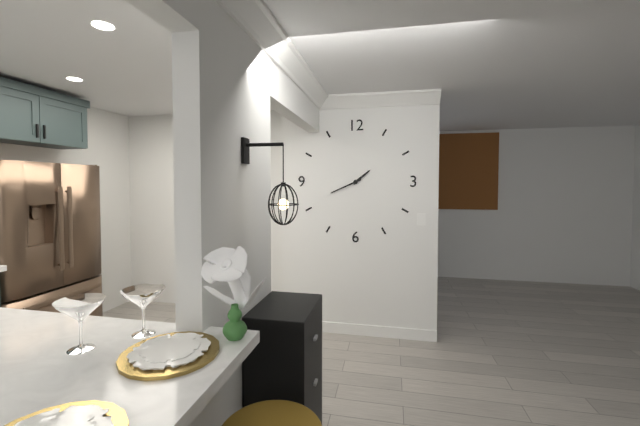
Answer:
1:41
